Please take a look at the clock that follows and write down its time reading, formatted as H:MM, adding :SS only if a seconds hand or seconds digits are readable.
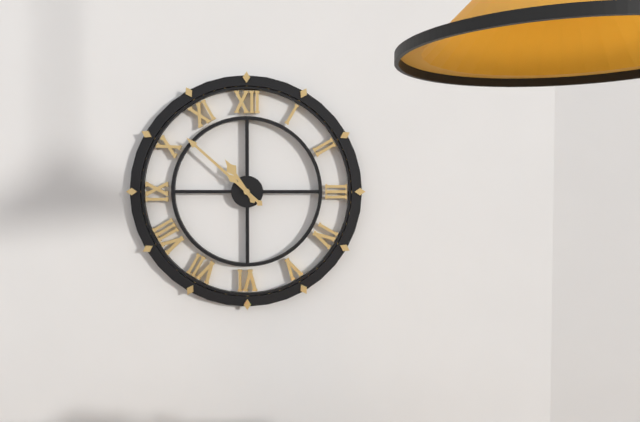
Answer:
10:52
